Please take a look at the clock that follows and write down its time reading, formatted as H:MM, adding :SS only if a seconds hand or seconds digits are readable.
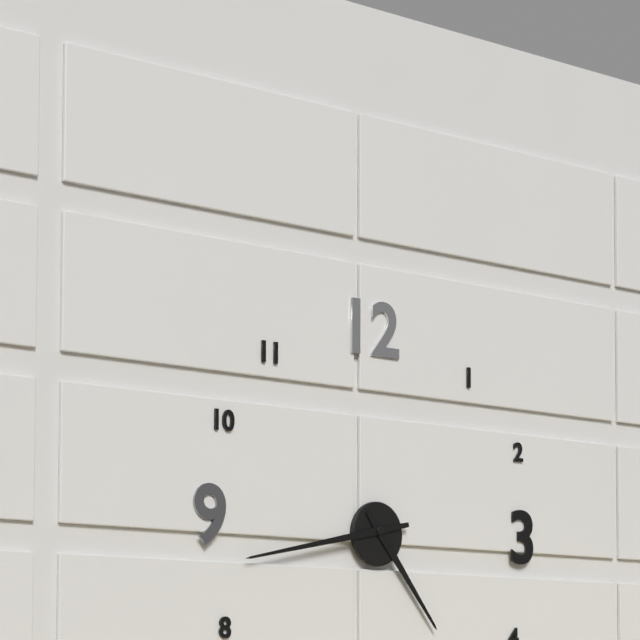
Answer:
4:43
